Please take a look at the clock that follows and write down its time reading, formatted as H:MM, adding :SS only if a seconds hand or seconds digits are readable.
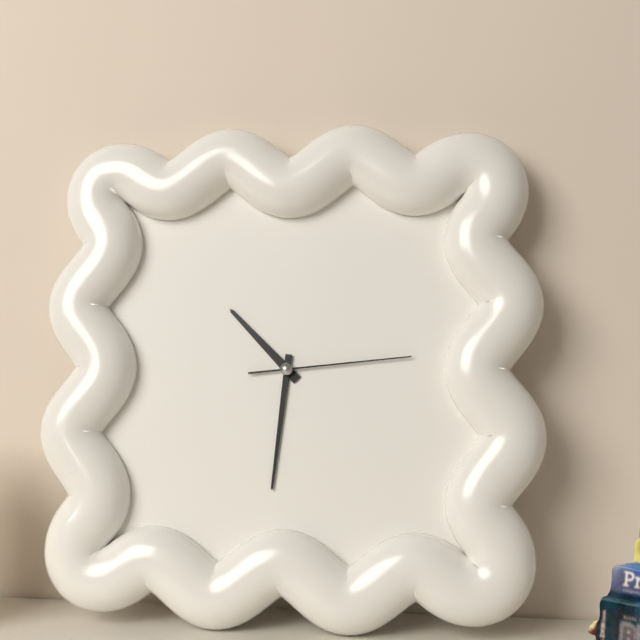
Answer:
10:31:14
